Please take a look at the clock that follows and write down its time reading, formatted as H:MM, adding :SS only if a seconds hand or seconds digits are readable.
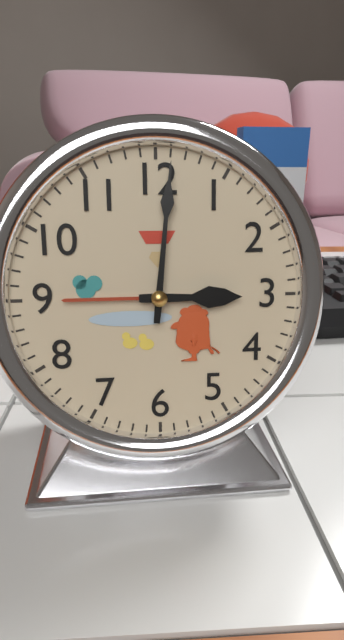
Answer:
3:01
